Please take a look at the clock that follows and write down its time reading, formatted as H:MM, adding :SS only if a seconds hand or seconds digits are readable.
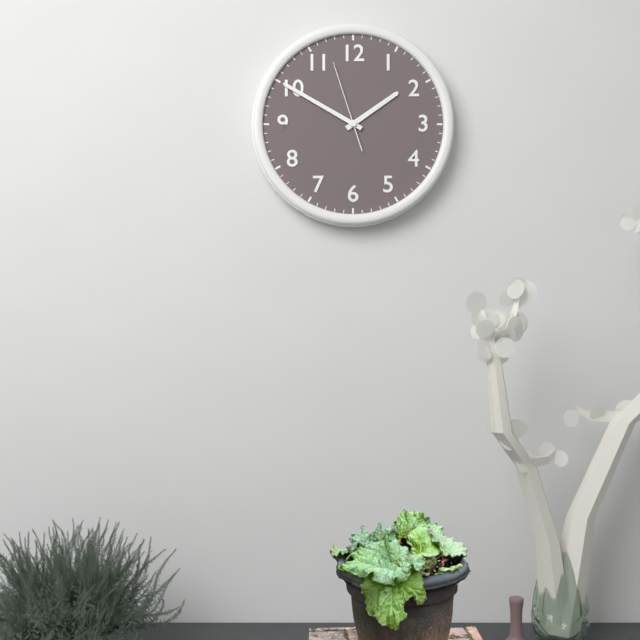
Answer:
1:50:57
